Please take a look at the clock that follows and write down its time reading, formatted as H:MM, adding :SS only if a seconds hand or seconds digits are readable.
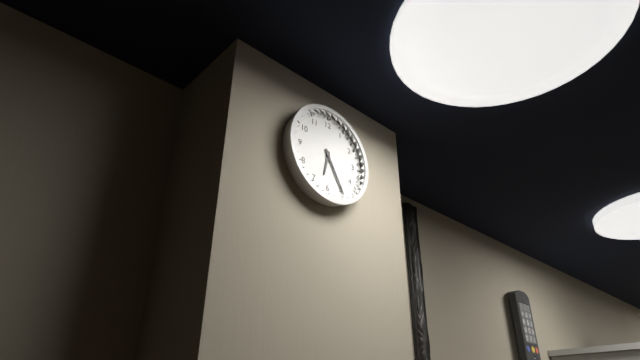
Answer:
6:25
